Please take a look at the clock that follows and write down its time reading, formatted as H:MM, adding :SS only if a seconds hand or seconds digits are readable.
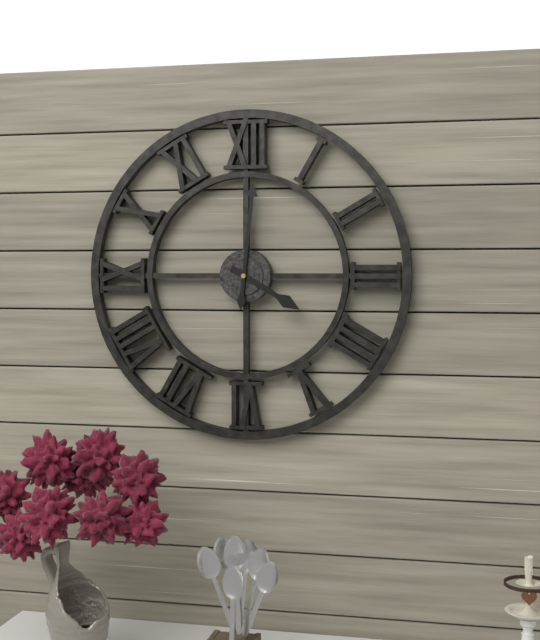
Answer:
4:01
